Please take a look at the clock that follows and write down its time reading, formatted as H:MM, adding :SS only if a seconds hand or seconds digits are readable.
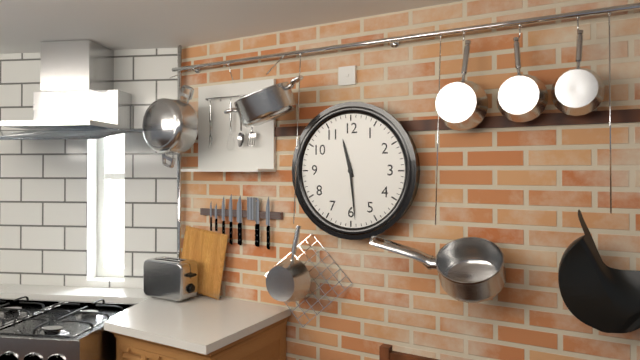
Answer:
11:29
